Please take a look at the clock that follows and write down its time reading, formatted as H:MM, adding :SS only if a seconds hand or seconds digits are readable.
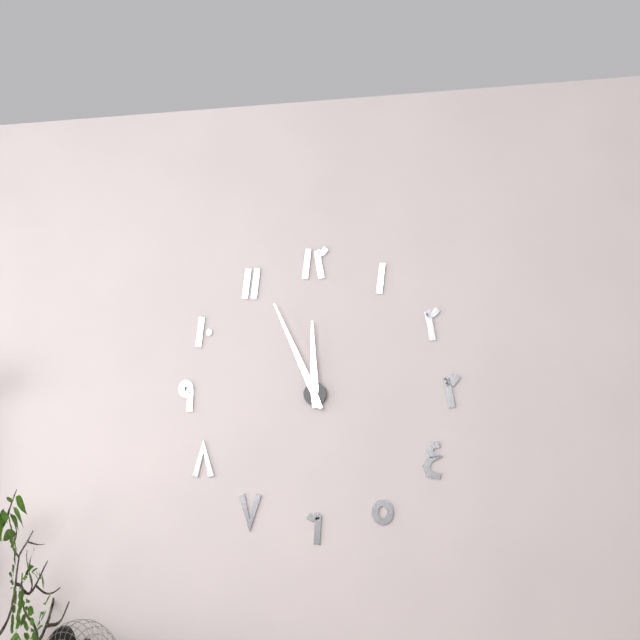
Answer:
11:56
